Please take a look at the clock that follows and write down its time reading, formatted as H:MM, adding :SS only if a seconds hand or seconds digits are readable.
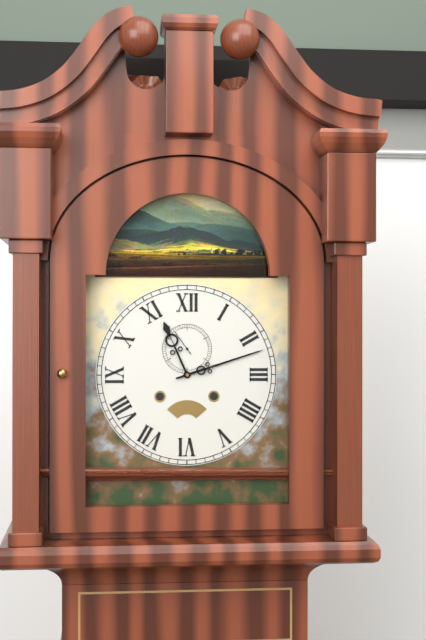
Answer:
11:12
